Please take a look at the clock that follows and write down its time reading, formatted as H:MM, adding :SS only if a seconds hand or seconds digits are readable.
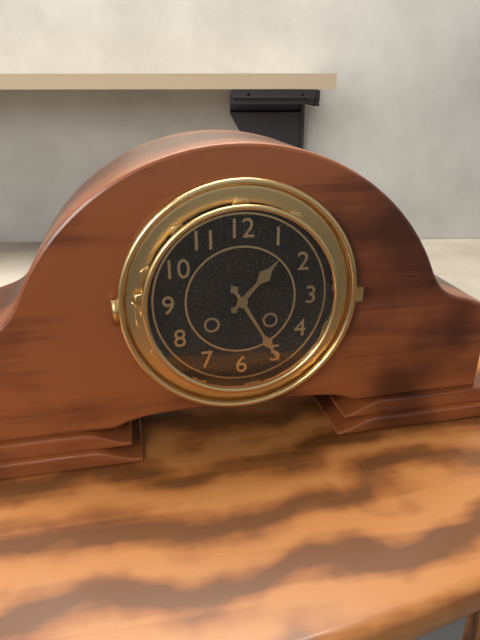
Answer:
1:25
